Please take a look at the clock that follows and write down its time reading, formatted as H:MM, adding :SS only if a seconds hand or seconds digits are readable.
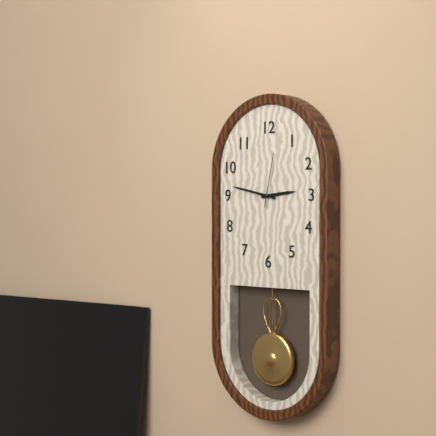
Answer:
2:47:02
